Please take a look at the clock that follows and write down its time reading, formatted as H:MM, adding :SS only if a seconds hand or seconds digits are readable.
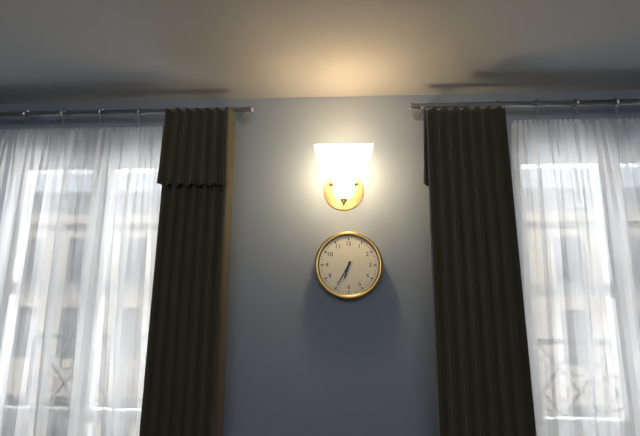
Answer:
6:35
